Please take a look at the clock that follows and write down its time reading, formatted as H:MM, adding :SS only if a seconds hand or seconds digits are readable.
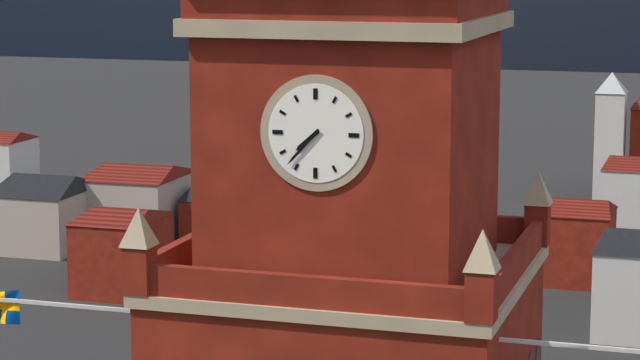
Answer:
7:37
